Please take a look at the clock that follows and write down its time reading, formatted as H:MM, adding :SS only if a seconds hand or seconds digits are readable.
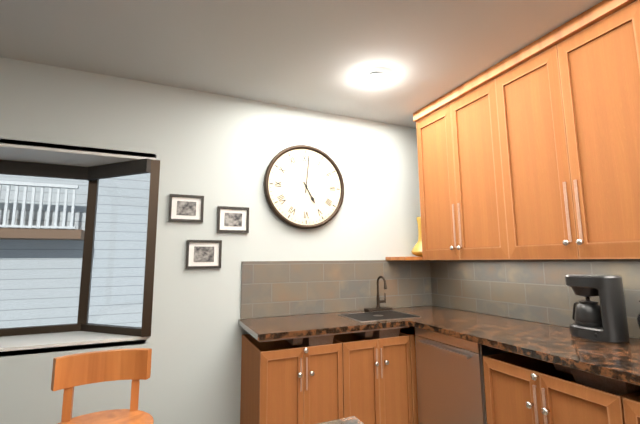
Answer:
5:01
